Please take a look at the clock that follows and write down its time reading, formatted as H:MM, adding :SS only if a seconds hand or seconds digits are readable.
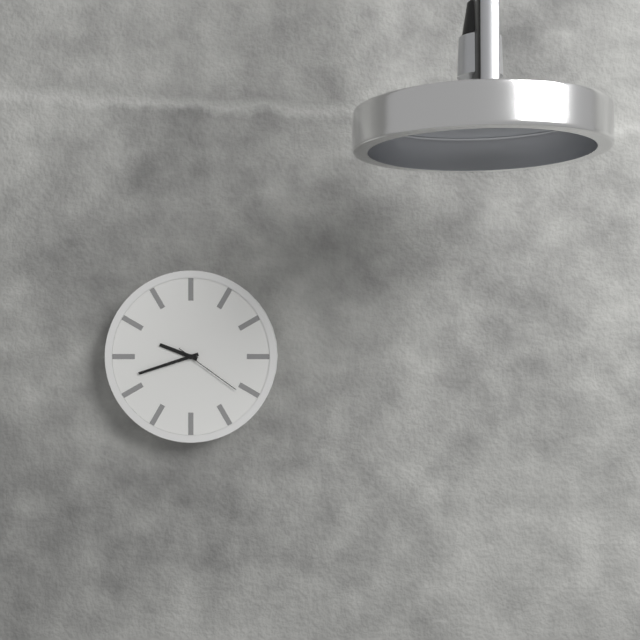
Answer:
9:42:21
